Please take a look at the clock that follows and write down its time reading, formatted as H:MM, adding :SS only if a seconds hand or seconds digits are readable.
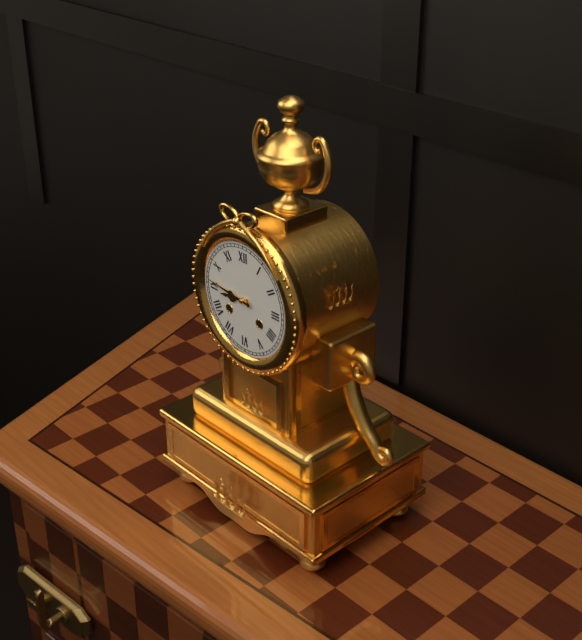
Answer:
8:46
